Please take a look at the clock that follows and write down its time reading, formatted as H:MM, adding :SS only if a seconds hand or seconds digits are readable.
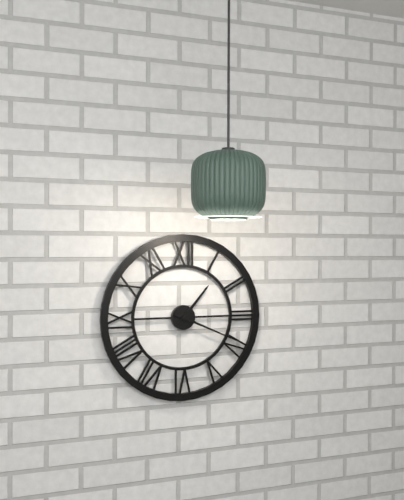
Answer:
1:19
